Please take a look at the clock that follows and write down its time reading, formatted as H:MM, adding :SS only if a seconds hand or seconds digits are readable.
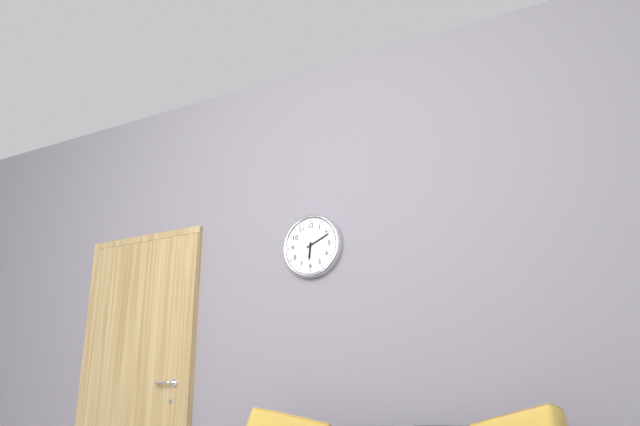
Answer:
6:11
